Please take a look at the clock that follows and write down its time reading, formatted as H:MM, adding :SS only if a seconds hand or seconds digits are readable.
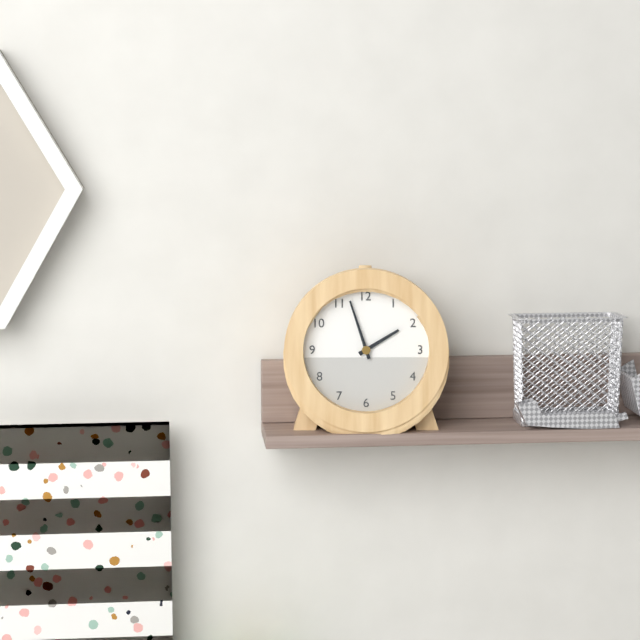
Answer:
1:57
